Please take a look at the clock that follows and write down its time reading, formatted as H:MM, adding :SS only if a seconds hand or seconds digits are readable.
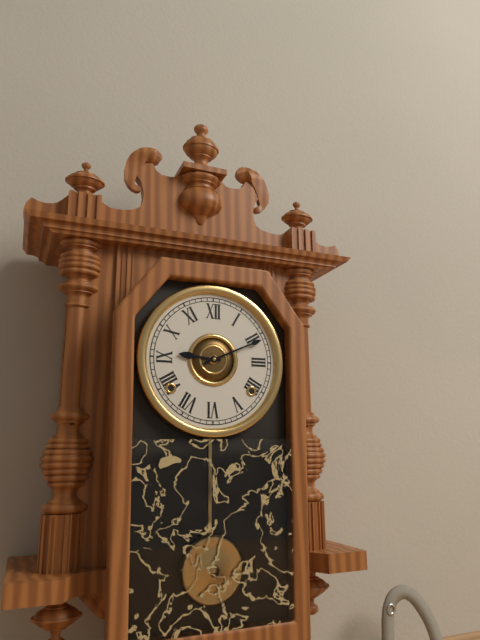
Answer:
9:11
